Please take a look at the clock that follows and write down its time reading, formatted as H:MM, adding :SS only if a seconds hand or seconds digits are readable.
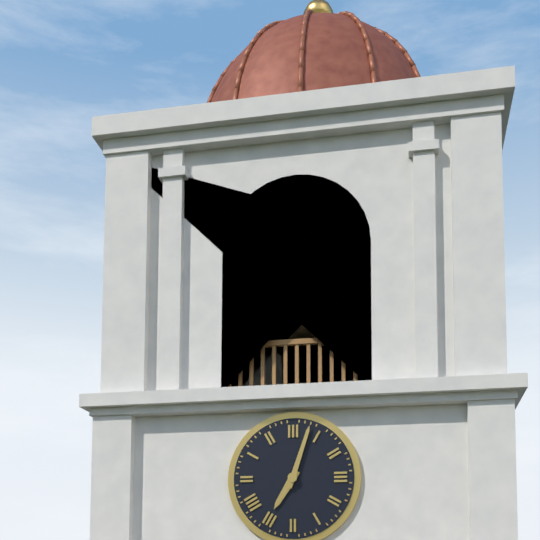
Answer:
7:03
